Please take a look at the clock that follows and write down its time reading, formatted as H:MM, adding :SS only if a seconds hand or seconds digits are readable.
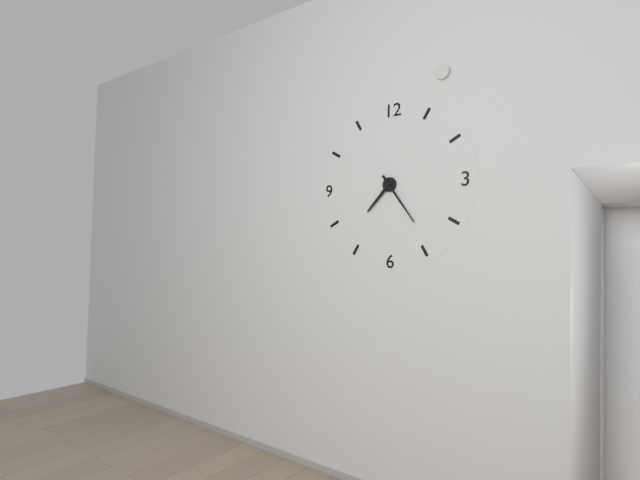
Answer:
7:24
